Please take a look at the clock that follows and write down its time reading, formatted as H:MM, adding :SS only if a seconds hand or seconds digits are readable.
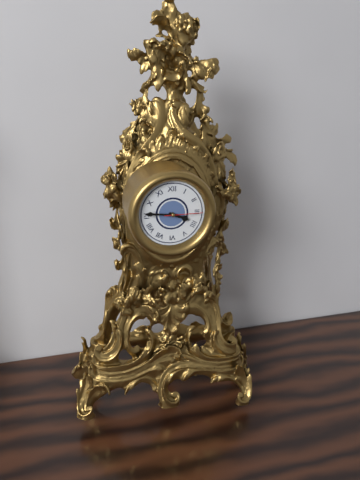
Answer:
3:46
